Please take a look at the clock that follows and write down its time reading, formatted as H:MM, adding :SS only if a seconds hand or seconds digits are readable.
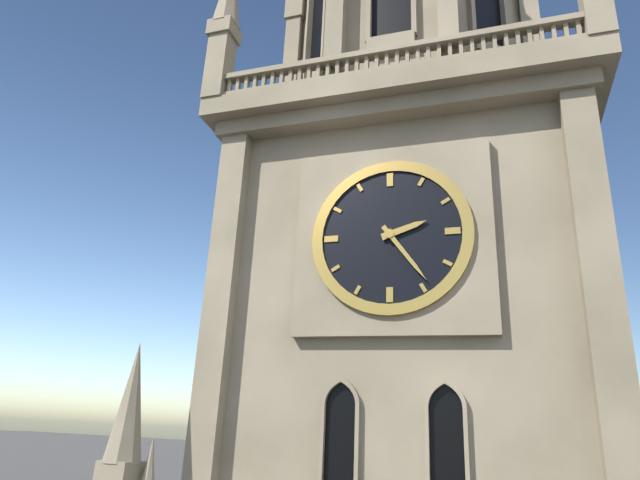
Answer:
2:24
